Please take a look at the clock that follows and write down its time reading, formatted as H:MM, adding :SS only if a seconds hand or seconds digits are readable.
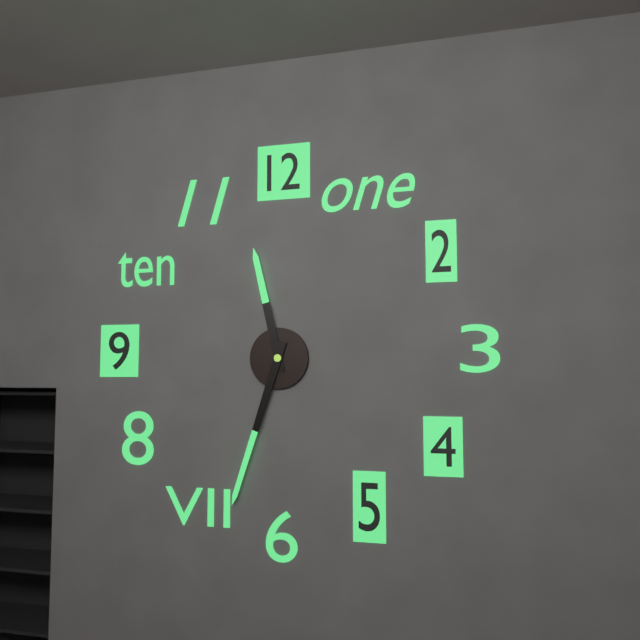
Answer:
11:33
